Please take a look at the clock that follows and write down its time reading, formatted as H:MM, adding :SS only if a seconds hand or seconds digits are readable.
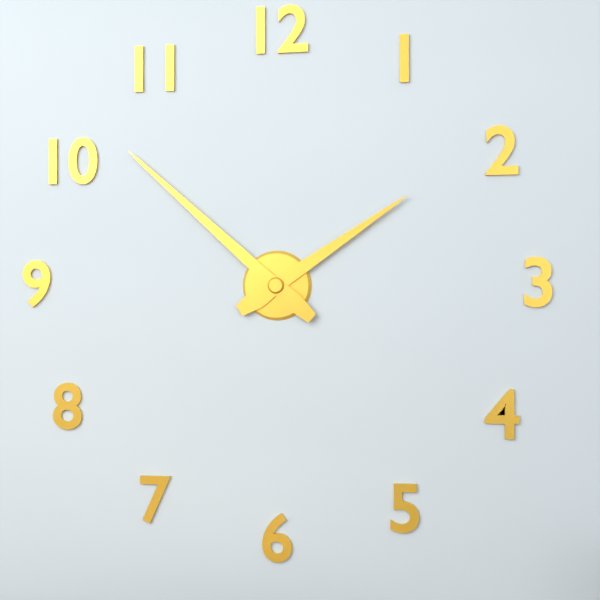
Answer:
1:52
